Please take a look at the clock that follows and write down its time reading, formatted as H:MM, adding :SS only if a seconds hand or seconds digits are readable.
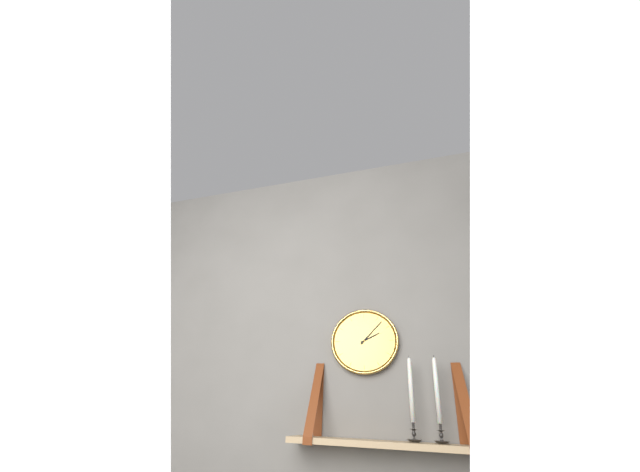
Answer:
2:07
